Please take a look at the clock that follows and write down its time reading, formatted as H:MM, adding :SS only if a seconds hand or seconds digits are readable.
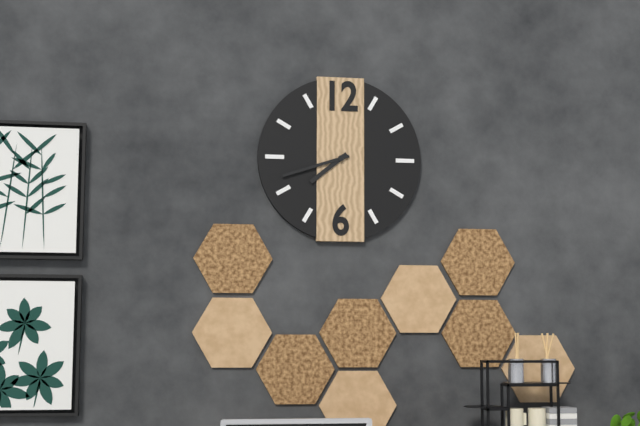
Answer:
7:42
